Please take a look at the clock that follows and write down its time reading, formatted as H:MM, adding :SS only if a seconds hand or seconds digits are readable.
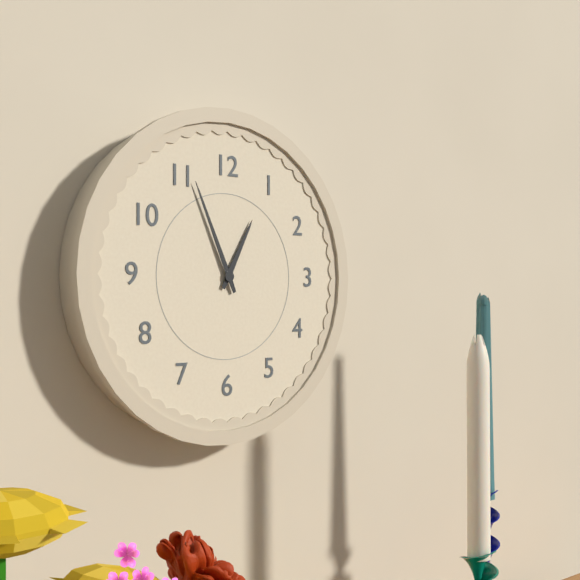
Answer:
12:56
